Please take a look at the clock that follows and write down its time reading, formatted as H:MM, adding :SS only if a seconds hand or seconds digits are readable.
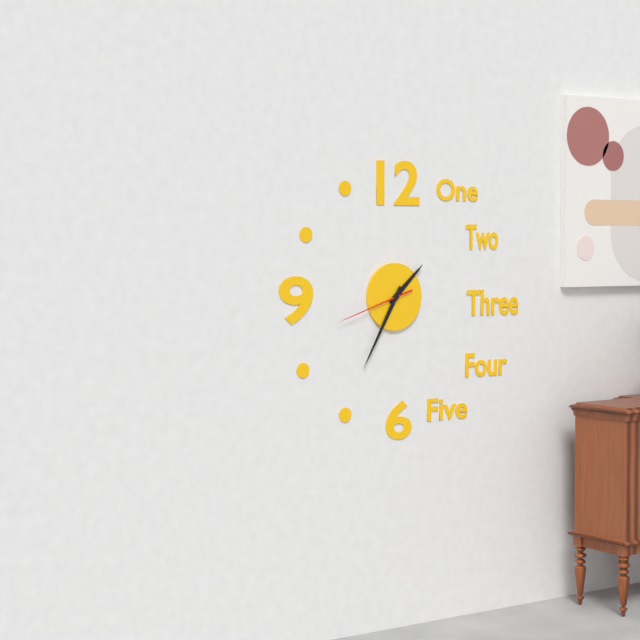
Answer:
1:35:42
